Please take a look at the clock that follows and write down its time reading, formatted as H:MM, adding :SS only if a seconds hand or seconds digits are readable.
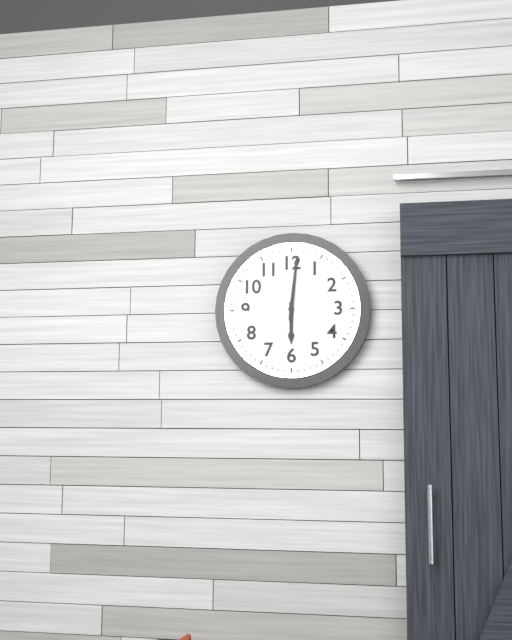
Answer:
6:01
